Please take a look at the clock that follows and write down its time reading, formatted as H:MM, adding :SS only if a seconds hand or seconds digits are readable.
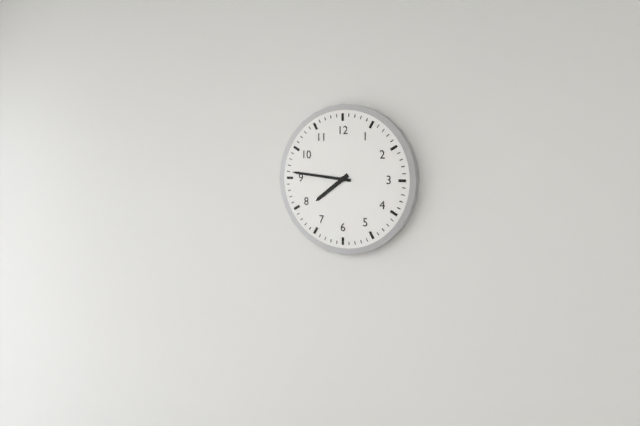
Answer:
7:46
